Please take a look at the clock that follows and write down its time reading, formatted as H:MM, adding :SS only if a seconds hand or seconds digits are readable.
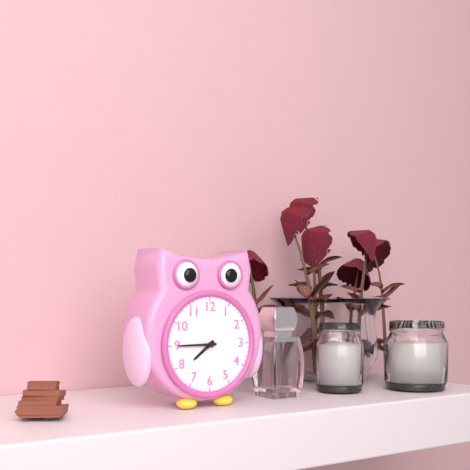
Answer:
7:45
